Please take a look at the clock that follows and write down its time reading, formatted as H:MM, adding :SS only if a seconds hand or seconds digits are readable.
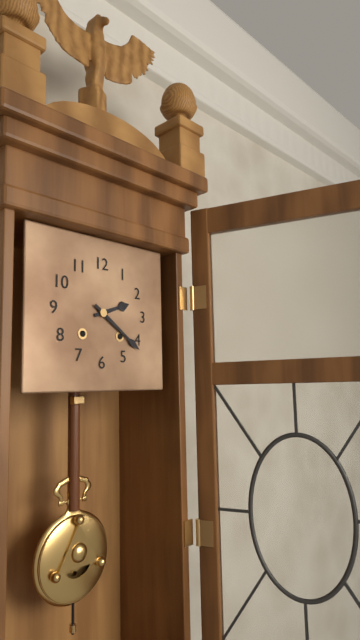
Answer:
2:21
